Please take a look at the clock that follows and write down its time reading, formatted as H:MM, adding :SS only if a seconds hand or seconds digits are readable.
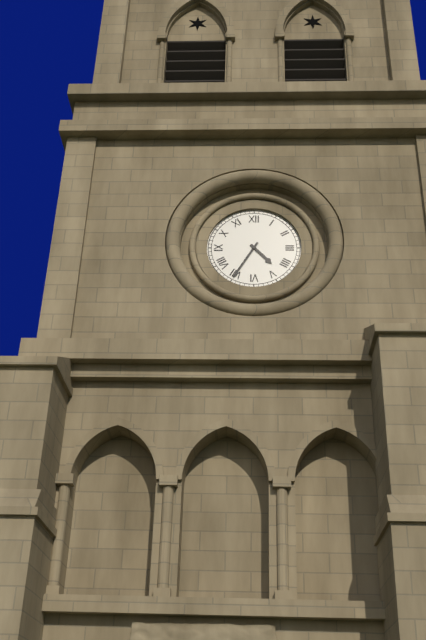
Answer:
4:35
